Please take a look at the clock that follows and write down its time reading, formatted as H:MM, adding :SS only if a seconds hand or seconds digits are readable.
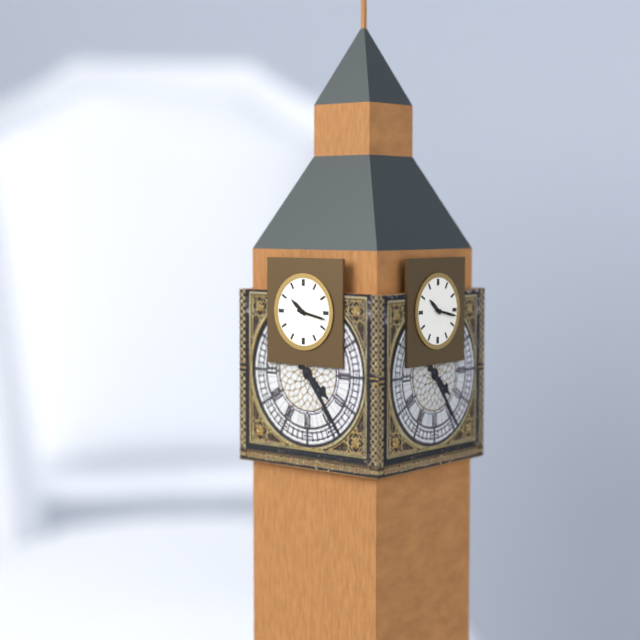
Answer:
10:17
